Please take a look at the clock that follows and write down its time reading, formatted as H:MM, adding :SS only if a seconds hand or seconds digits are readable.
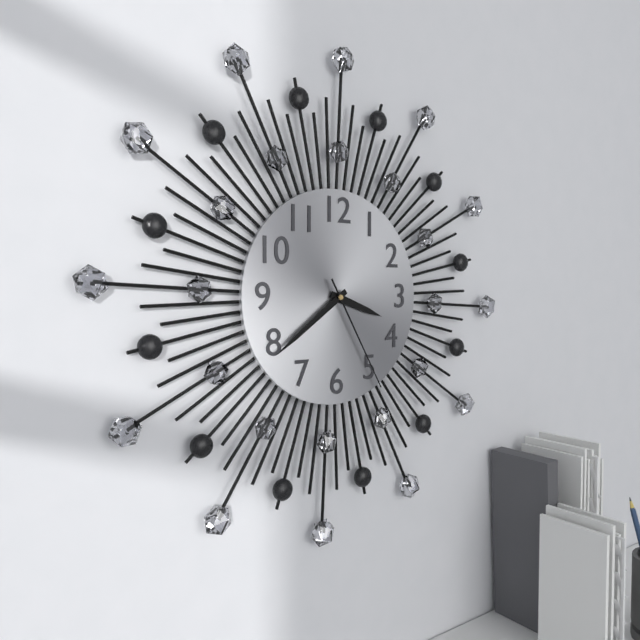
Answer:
3:39:25
